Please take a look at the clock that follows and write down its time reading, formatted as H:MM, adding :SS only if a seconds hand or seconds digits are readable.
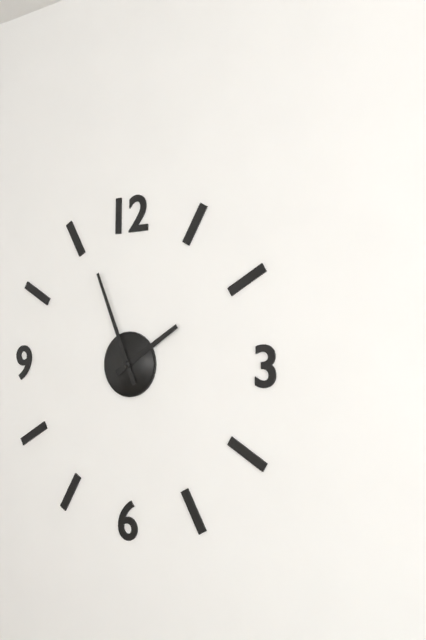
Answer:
1:56
